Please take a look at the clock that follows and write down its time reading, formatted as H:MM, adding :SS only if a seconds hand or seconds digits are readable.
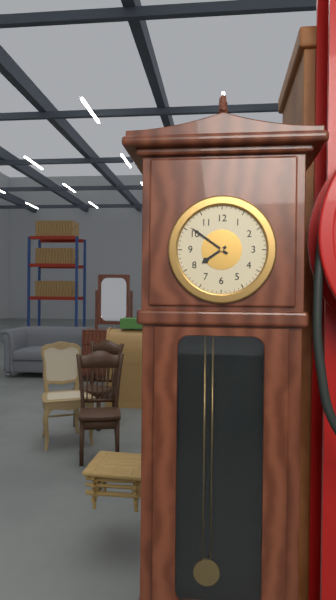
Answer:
7:51
